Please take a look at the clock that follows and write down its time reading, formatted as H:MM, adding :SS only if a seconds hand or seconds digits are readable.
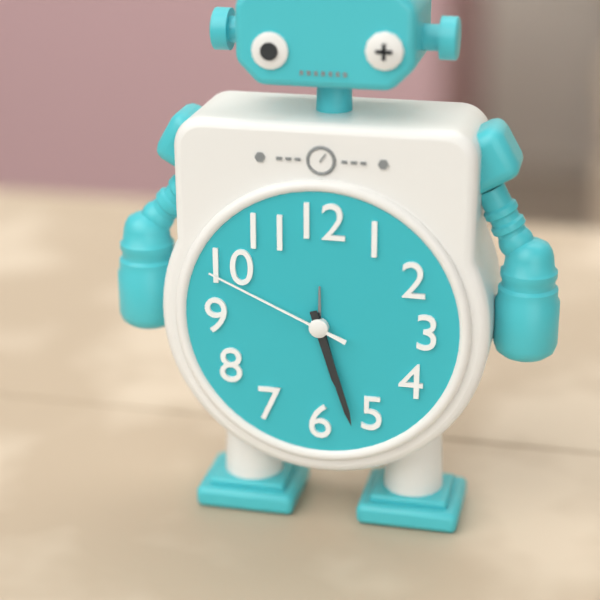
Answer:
5:27:49
